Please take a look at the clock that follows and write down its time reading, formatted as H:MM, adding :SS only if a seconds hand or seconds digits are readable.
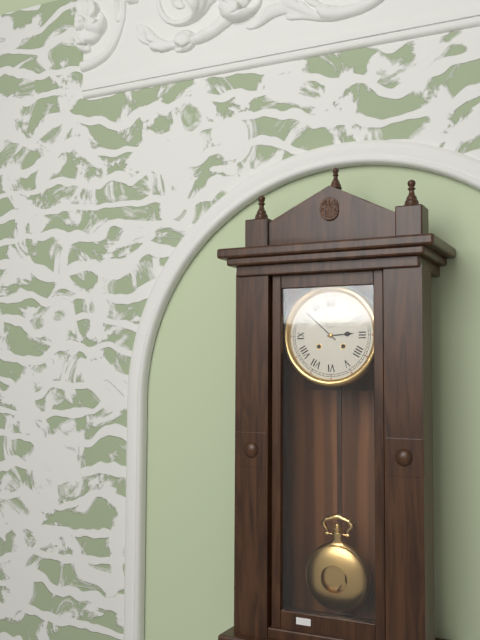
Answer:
2:52
